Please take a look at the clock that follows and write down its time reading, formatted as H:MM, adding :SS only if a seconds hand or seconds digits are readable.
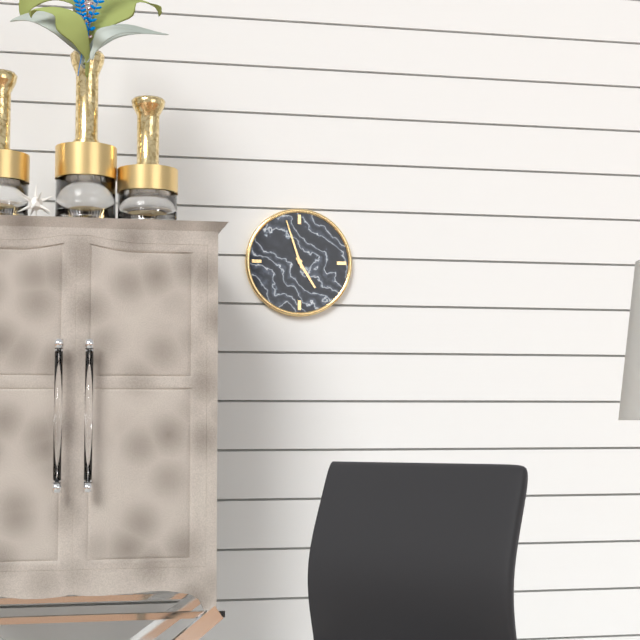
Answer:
4:57
